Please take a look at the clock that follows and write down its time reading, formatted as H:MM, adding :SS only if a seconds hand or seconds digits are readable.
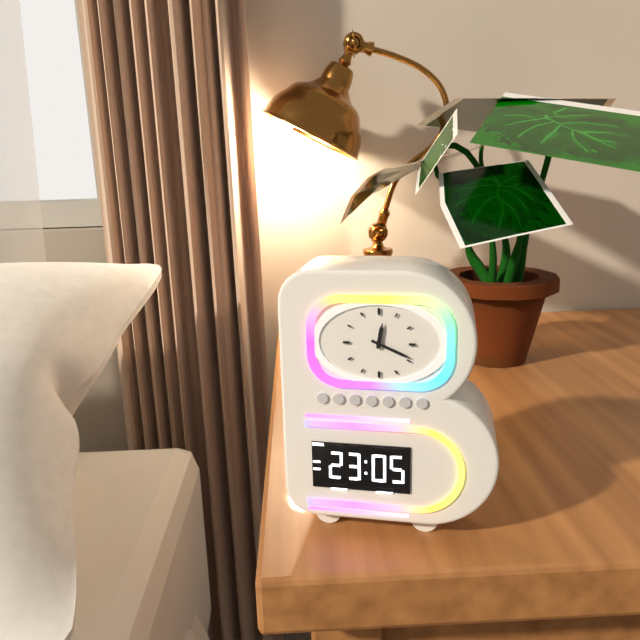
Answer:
12:19
